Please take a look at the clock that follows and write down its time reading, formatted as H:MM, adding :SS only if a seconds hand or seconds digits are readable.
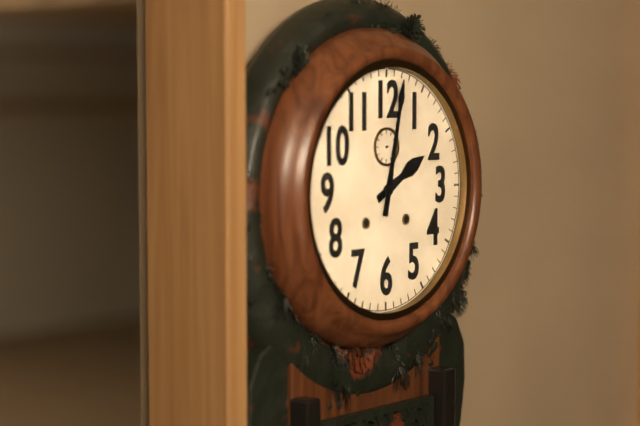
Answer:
2:02
